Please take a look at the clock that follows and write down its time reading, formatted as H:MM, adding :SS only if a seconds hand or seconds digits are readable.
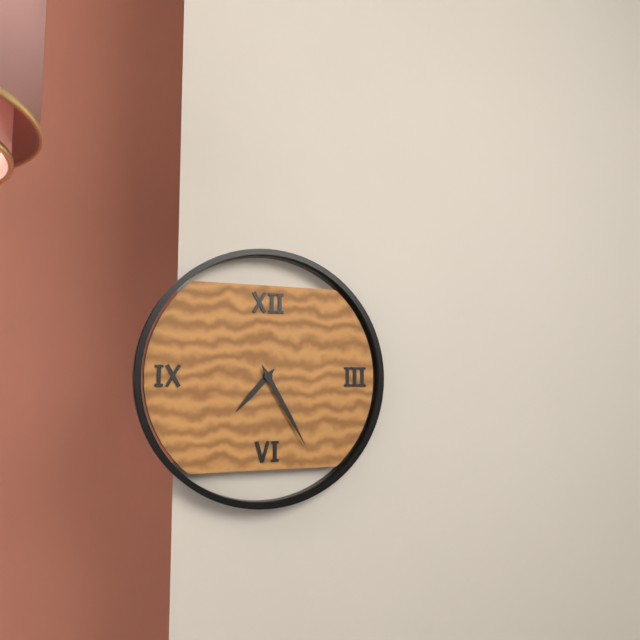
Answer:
7:25
